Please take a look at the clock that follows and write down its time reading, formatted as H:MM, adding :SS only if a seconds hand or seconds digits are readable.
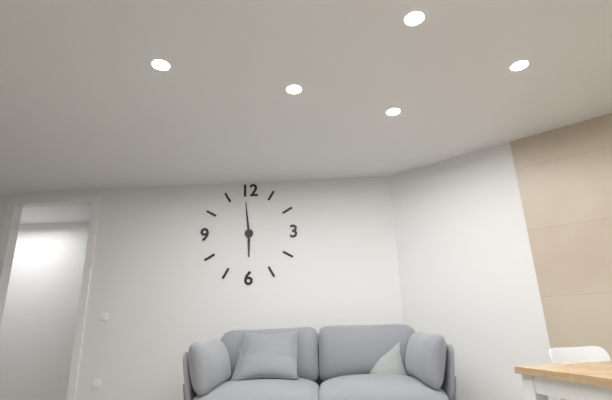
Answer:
5:59
